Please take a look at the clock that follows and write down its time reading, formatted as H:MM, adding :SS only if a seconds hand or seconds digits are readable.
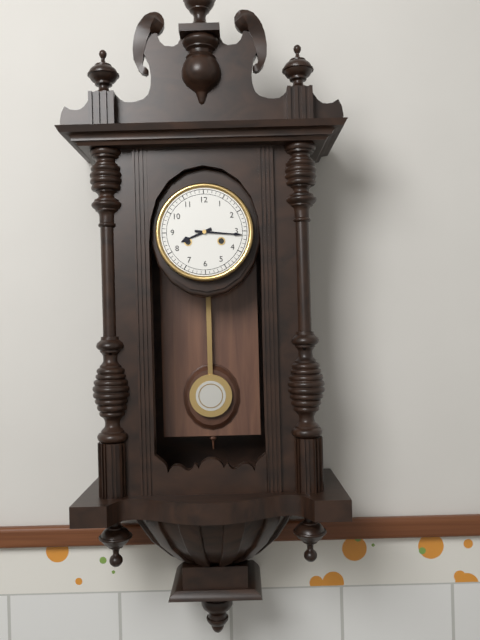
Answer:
8:16
